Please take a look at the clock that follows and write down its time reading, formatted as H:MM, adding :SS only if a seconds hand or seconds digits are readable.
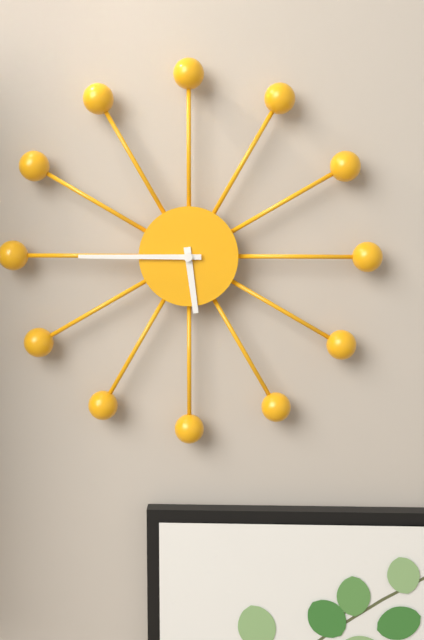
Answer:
5:45
